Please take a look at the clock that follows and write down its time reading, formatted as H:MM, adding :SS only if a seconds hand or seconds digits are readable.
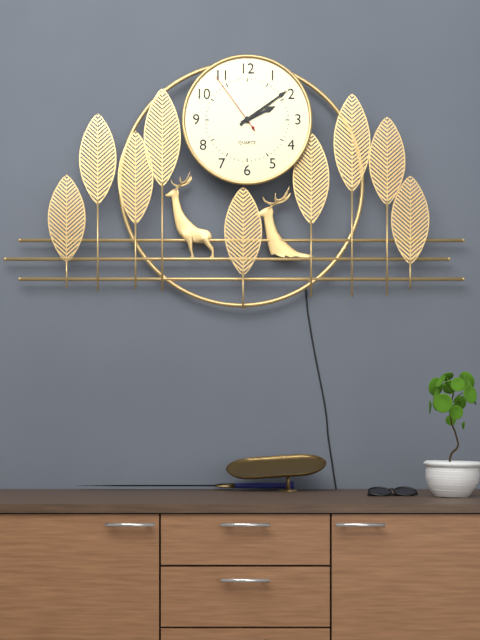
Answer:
2:09:54
